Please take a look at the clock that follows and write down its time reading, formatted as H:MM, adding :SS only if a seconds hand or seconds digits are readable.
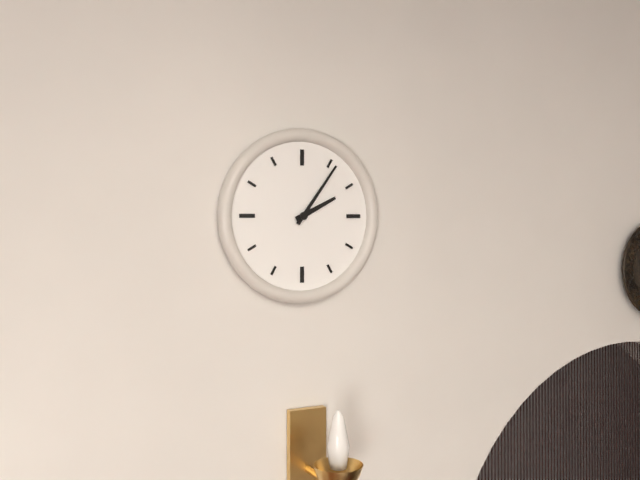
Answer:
2:06
